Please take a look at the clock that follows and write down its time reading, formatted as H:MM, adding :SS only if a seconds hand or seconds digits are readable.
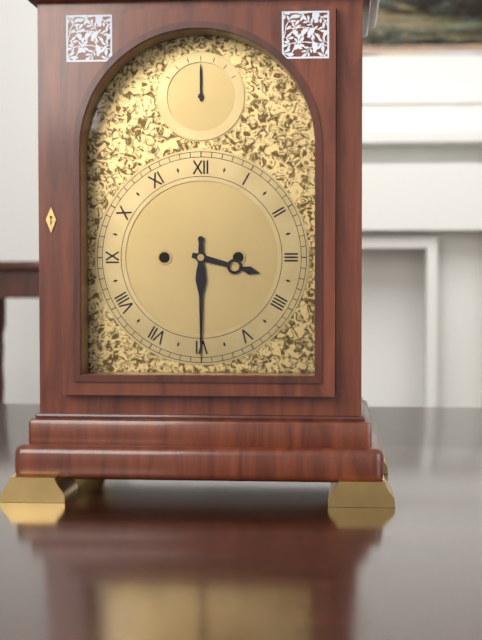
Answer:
3:30
